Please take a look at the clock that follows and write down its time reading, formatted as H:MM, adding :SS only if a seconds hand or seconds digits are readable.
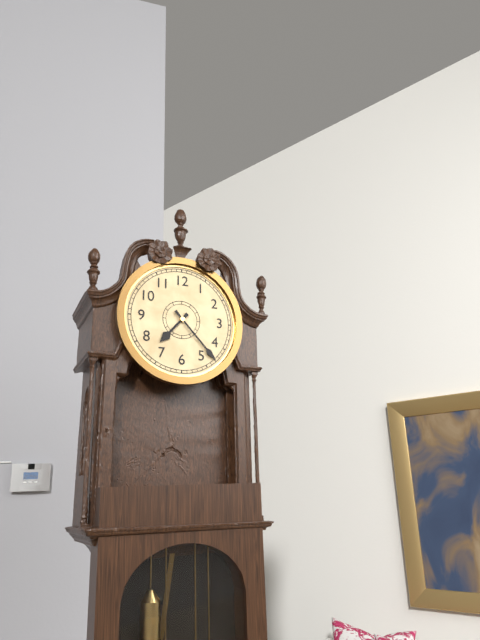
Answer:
7:23
